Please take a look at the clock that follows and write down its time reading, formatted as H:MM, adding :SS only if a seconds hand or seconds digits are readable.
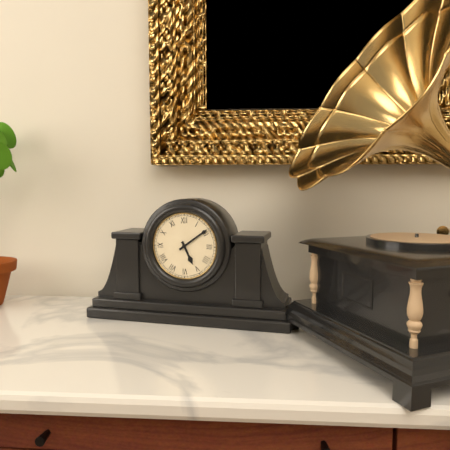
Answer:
5:09
